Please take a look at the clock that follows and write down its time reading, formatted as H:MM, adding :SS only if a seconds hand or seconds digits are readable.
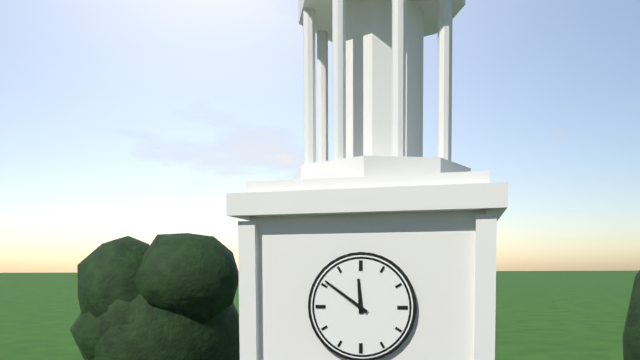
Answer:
11:51
